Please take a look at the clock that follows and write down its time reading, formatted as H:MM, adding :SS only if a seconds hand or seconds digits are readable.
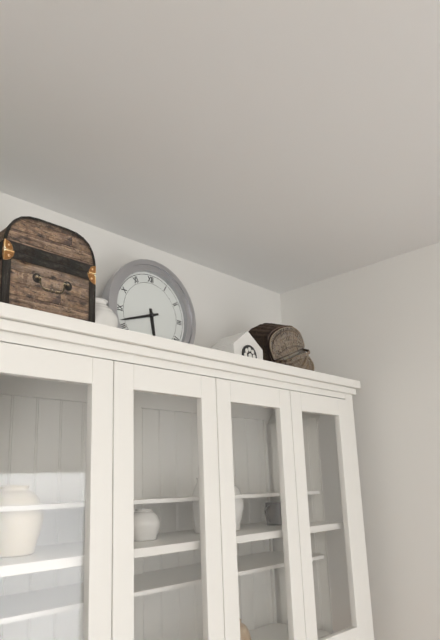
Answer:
5:42
